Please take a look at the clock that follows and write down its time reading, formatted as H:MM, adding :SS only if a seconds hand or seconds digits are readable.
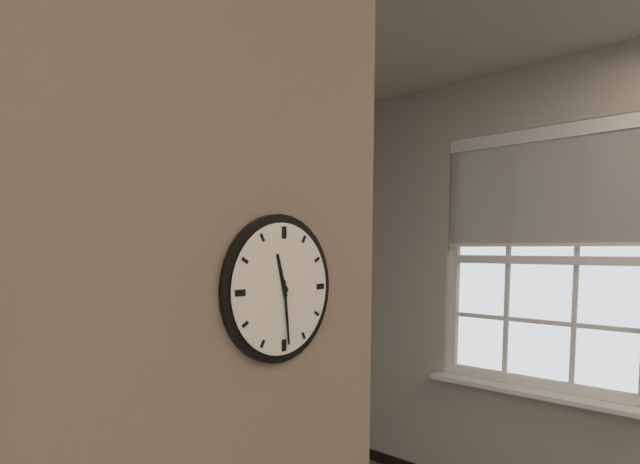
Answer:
11:29
